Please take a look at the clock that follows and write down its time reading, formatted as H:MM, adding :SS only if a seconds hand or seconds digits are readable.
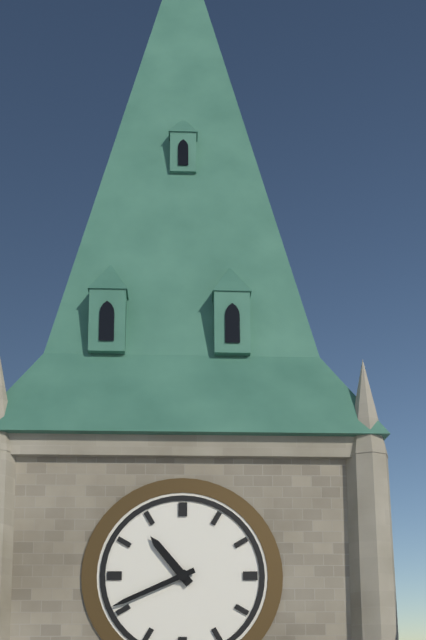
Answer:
10:41
